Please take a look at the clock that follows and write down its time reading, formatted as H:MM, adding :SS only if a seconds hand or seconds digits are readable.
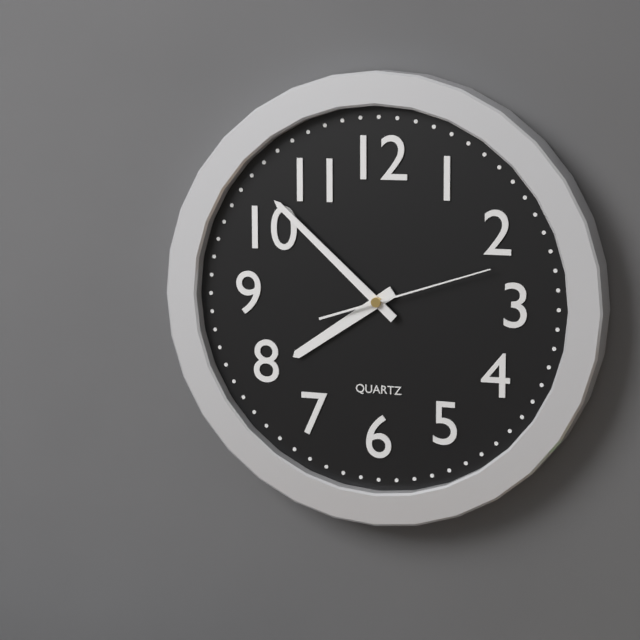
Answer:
7:52:12
